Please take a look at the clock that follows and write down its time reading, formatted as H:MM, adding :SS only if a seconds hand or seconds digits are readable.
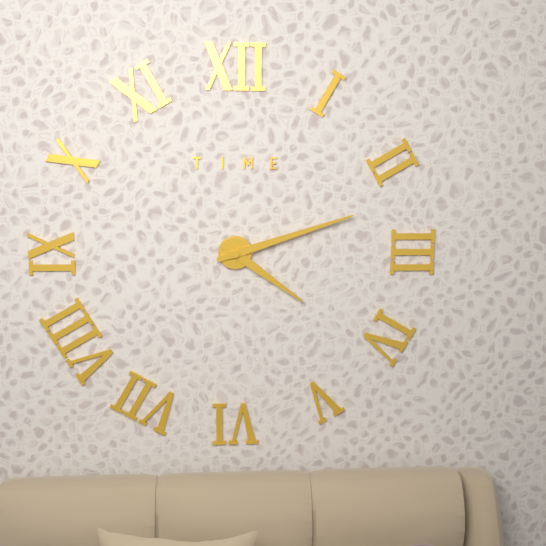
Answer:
4:12
